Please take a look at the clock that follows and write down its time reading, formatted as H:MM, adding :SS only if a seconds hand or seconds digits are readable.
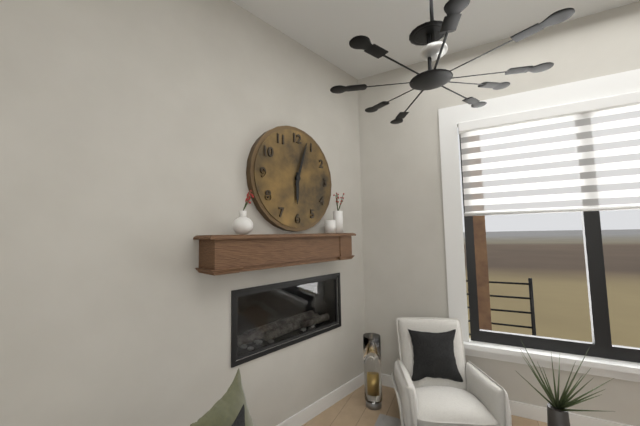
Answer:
6:03
